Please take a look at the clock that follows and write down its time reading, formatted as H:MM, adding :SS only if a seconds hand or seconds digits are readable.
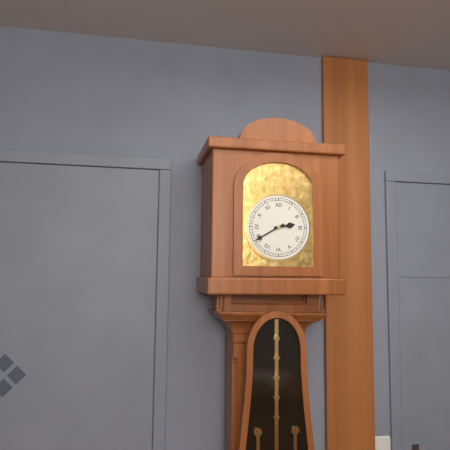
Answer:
2:40
